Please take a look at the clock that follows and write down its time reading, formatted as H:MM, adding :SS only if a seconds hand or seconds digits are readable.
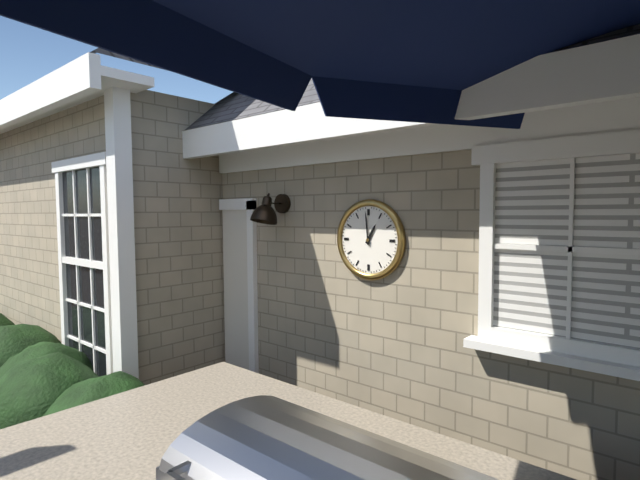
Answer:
12:59
